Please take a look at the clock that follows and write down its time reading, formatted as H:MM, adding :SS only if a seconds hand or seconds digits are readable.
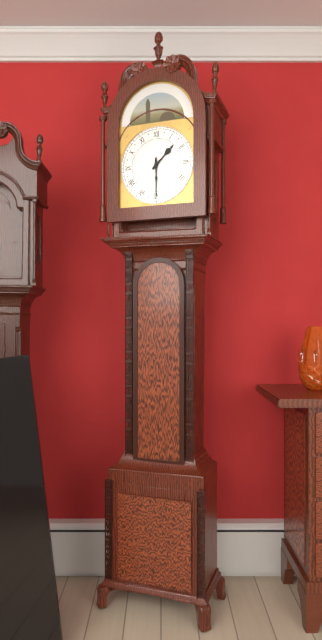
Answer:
1:30
